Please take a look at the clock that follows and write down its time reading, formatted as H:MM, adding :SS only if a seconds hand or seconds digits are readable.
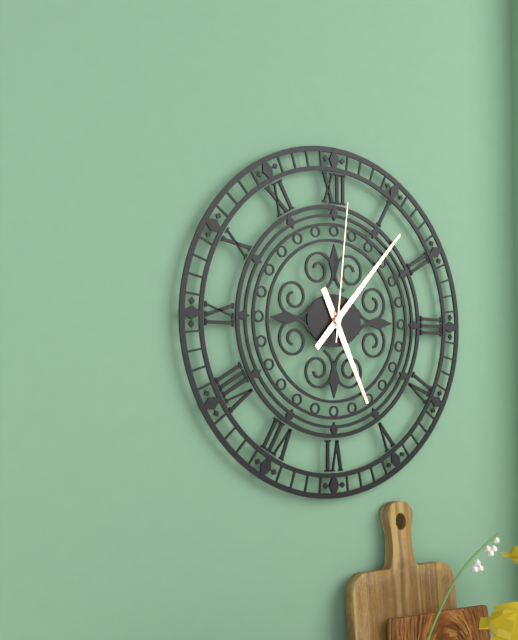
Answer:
5:07:01
